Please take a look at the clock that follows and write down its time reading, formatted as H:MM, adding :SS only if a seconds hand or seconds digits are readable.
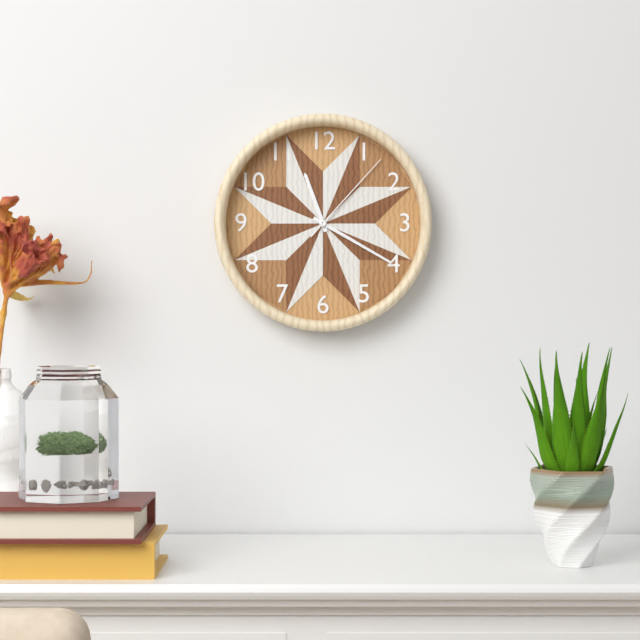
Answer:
11:20:07
